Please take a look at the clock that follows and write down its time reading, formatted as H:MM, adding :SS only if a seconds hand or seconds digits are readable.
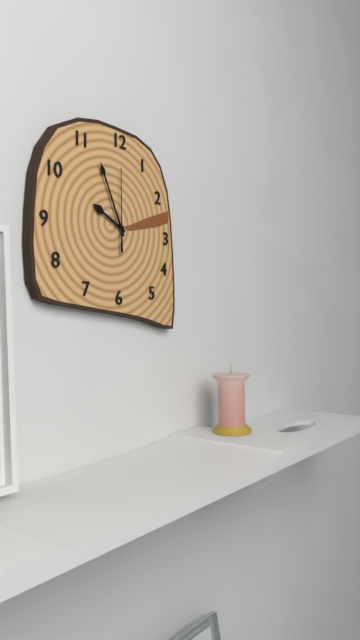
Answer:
9:56:00
